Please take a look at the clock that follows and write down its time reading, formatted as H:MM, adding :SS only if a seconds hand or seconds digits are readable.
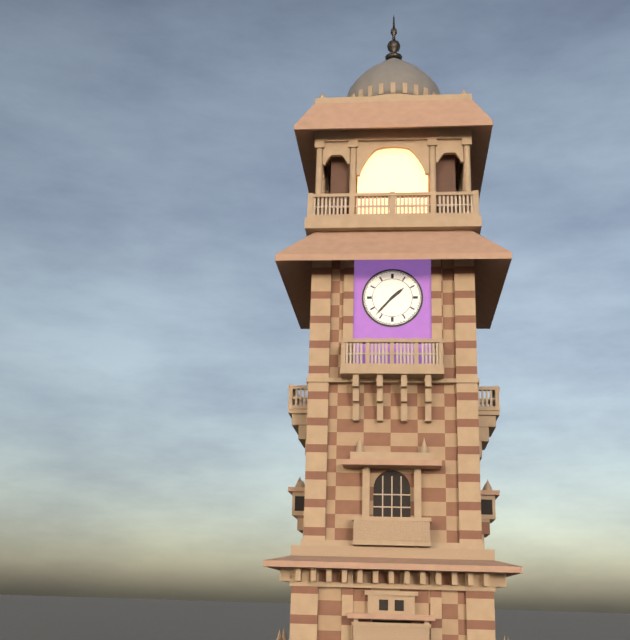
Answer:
1:37
